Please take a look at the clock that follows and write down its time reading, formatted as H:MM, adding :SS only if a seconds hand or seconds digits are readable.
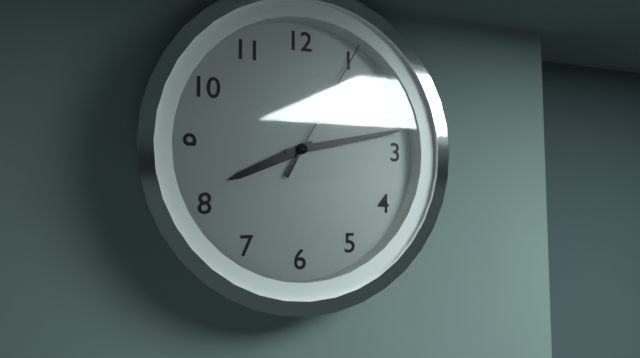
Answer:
8:13:05
